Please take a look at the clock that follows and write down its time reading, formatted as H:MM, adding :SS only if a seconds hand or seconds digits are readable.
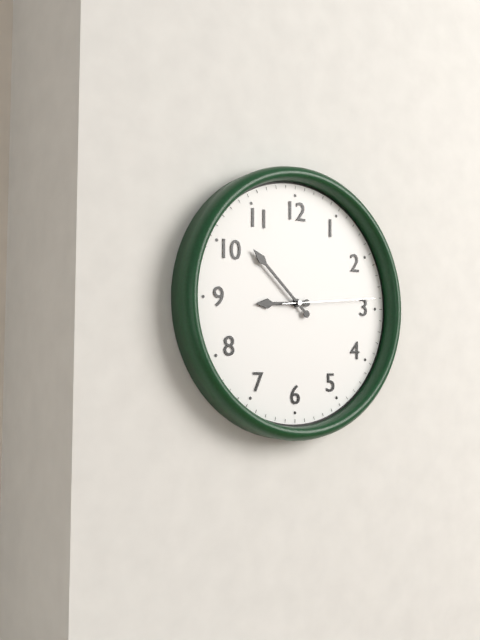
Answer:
8:52:14
